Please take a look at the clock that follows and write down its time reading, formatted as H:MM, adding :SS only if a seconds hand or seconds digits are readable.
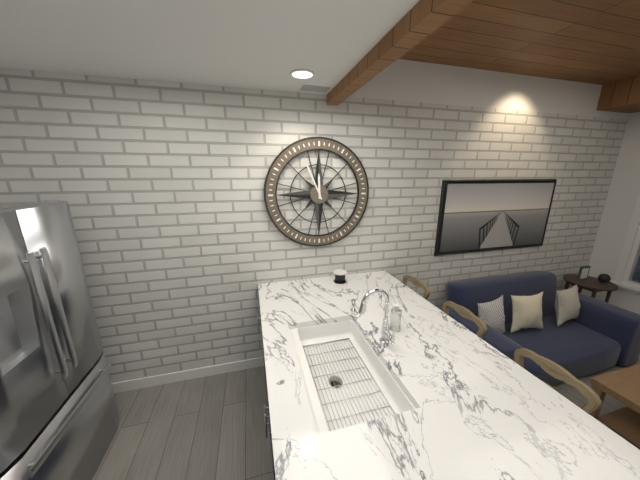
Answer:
11:56
